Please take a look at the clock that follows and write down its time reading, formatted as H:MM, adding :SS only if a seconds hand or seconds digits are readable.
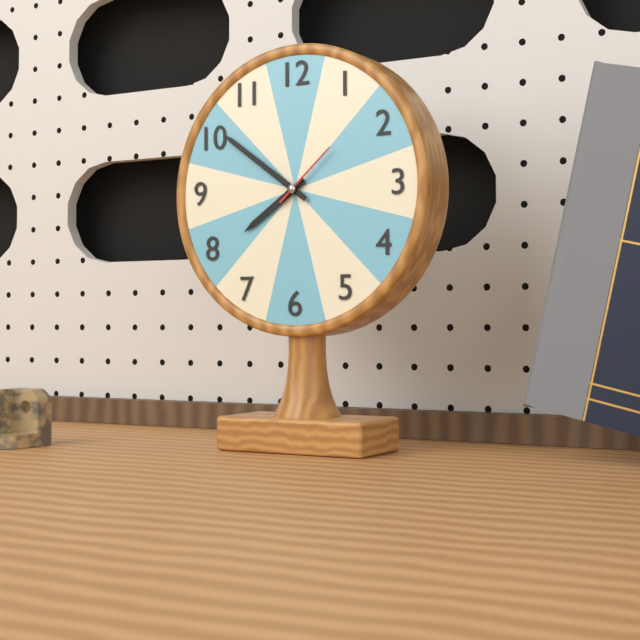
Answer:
7:51:08
